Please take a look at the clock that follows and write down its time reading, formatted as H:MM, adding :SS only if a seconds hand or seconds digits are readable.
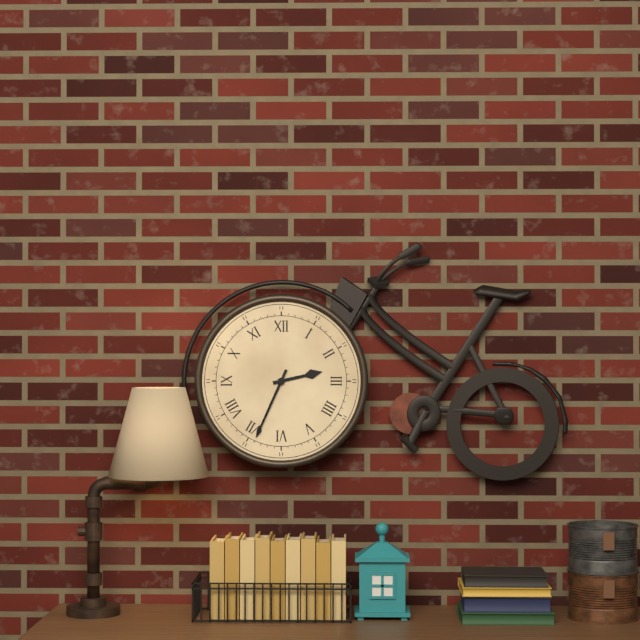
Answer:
2:34
